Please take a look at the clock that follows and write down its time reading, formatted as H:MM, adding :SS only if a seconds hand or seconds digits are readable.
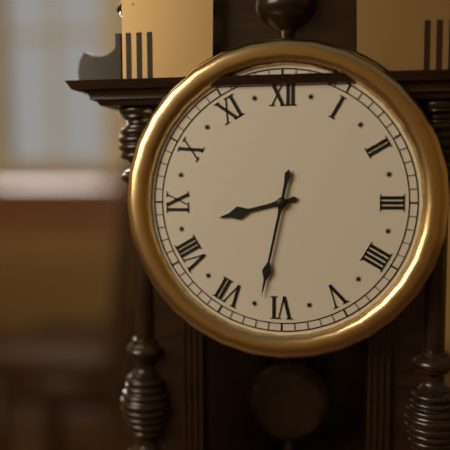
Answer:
8:32
